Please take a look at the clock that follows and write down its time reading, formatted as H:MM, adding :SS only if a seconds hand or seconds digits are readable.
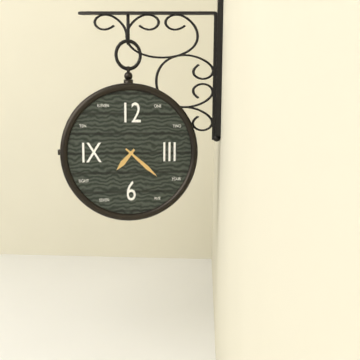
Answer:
7:22
